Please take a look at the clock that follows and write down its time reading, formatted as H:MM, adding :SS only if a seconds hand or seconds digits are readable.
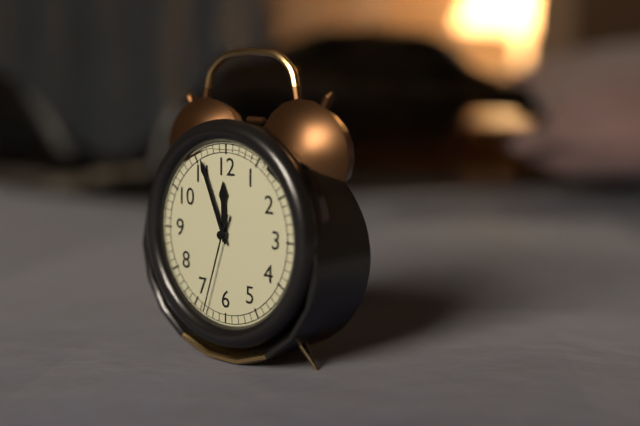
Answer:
11:56:33
